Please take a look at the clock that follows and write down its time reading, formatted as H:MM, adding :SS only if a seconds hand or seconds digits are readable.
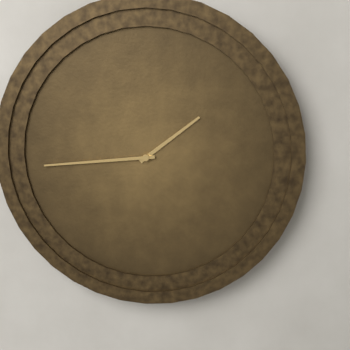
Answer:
1:44
